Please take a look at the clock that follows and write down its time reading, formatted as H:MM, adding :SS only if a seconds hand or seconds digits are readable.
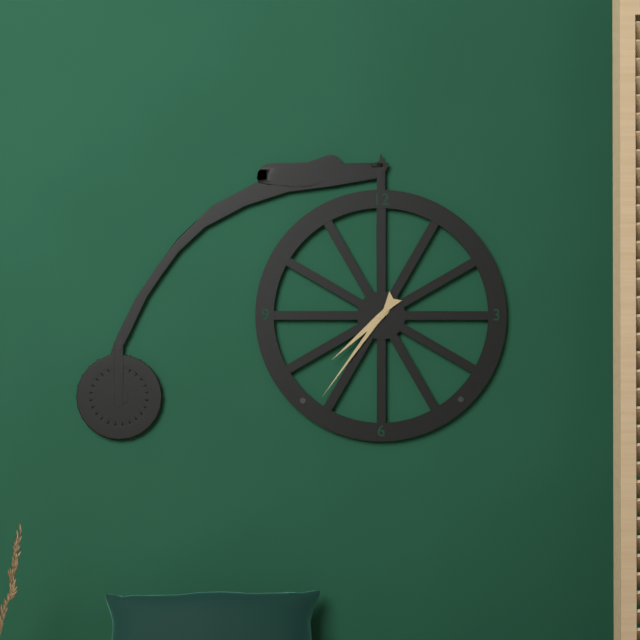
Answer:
7:36
